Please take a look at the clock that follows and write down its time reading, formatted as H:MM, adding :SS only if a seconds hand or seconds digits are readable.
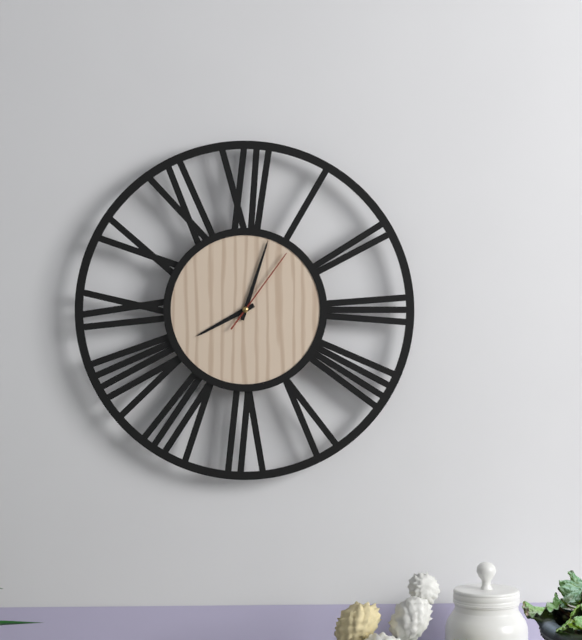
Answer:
8:03:06
